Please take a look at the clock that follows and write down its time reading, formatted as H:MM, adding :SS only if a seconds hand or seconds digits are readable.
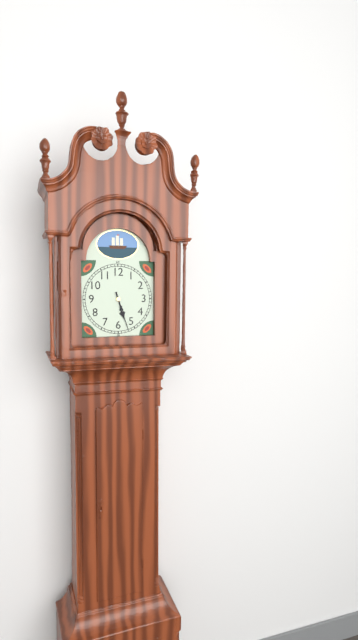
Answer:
5:27
